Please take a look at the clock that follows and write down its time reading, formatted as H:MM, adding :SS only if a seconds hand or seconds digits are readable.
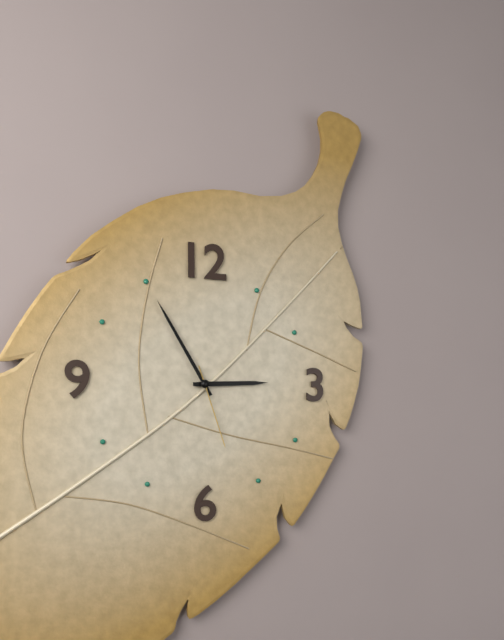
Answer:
2:55:27
